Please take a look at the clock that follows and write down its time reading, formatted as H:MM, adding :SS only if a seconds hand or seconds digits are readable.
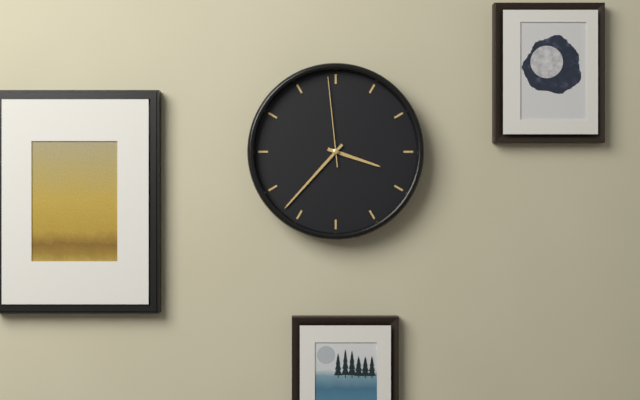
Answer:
3:37:59
